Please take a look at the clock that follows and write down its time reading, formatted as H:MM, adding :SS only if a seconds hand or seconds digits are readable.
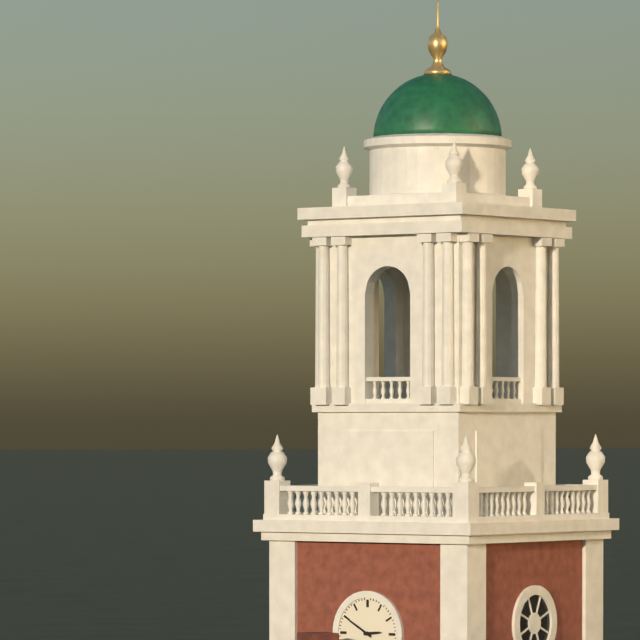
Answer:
2:50
